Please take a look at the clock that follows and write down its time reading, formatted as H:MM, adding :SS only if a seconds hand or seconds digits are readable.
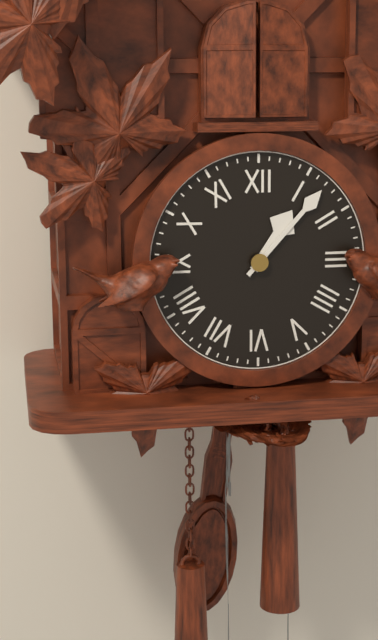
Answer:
1:07
